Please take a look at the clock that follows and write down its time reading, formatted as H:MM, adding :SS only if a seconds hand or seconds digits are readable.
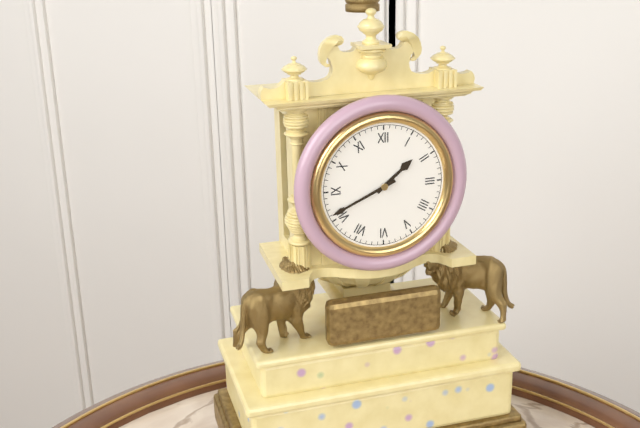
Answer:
1:41
